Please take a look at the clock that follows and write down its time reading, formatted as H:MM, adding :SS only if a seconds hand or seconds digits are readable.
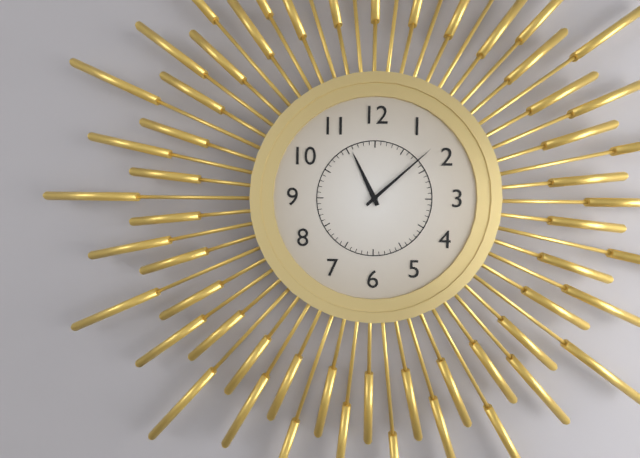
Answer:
11:08
